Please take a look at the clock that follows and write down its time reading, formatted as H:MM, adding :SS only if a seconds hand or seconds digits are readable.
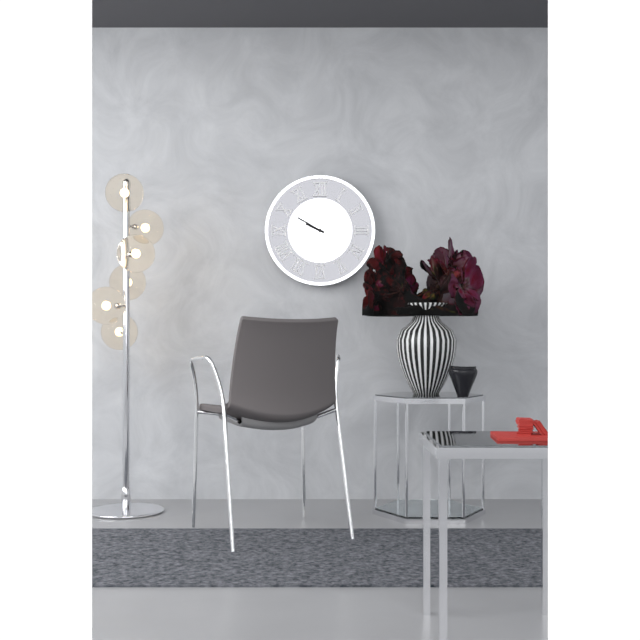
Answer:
9:50
